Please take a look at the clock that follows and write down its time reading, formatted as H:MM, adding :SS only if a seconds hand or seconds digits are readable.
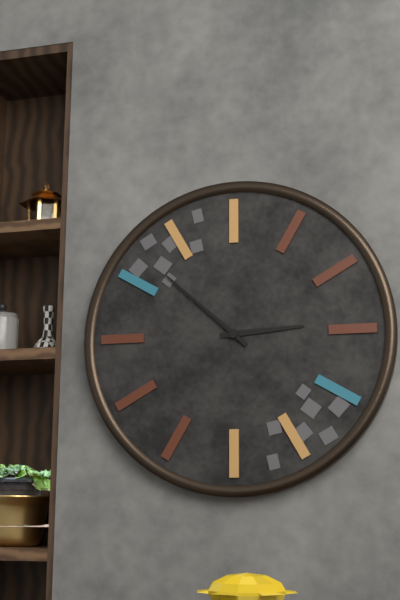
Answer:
2:52
